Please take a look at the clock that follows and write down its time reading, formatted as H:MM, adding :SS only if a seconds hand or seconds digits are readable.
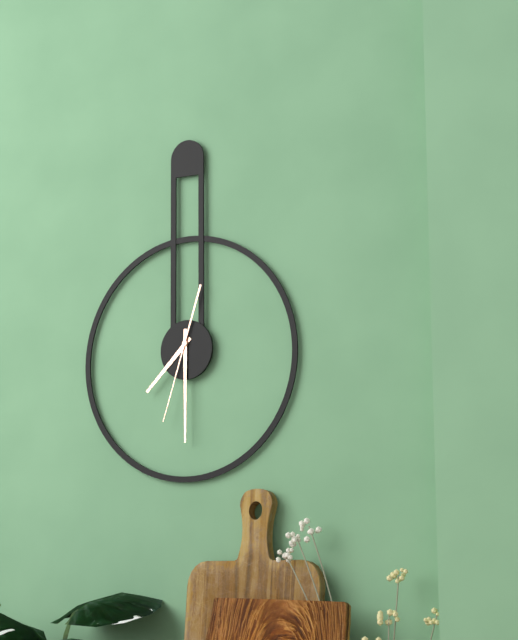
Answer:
7:30:33
